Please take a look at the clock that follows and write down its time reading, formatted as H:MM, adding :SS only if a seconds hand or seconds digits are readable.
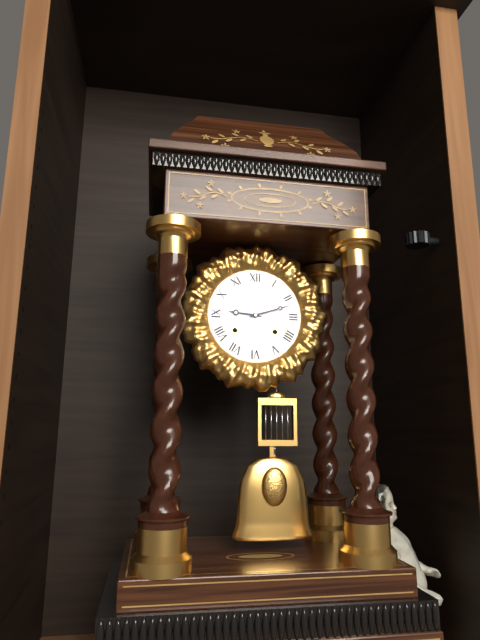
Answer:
9:12
